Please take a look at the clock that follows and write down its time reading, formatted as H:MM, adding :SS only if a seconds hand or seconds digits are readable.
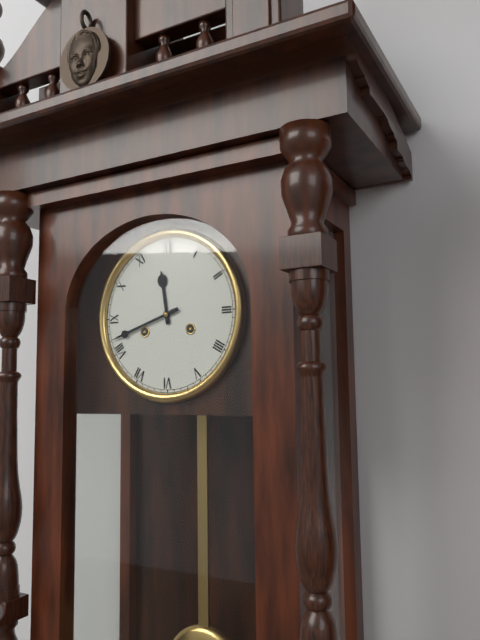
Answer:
11:42
